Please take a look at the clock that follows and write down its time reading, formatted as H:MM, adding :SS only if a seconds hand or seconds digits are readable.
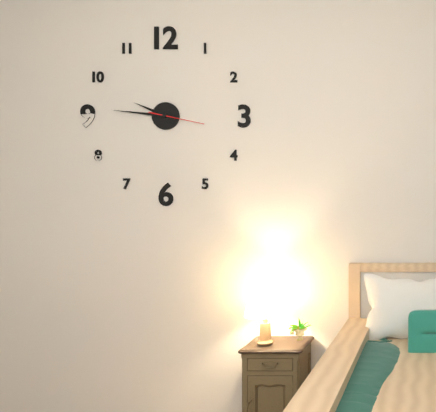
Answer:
9:46
